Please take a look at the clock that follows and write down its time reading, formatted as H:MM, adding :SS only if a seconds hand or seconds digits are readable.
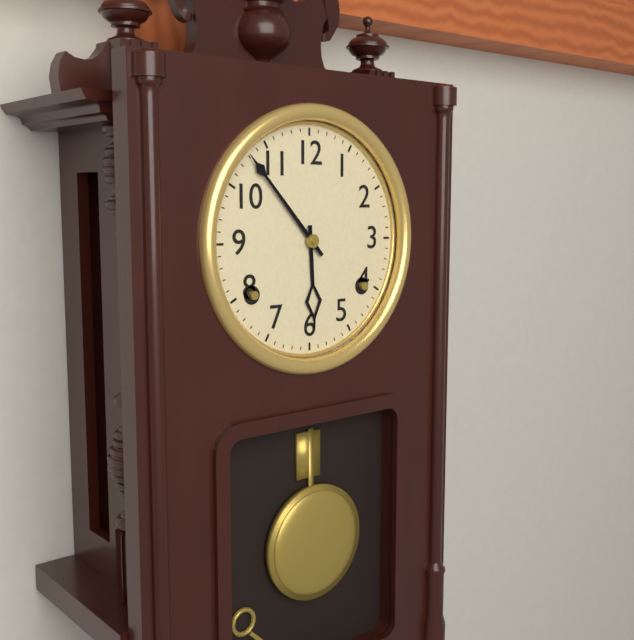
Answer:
5:53
